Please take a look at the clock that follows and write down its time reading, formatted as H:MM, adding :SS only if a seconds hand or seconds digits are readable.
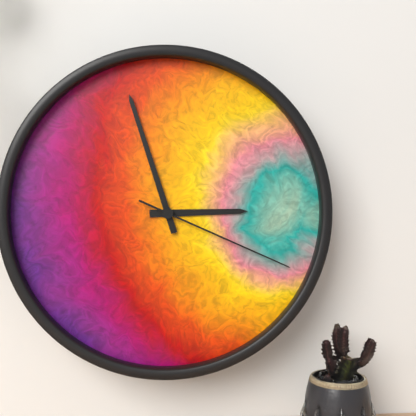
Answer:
2:57:19
